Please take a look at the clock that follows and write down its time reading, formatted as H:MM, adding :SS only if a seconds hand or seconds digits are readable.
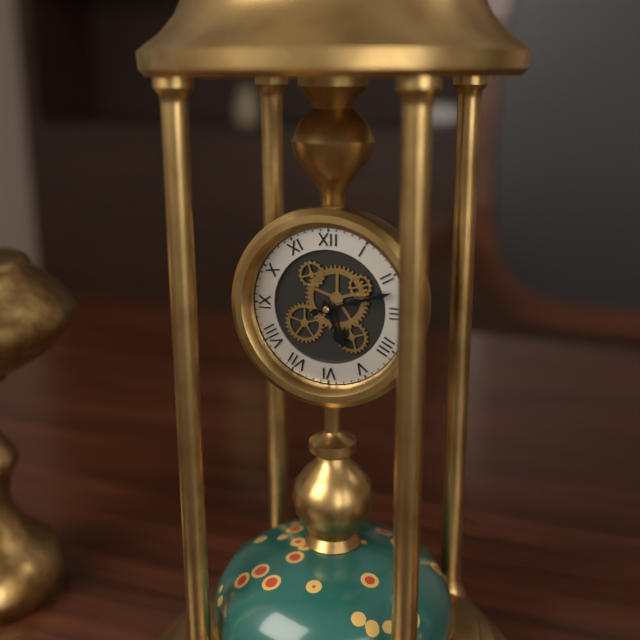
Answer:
5:12
